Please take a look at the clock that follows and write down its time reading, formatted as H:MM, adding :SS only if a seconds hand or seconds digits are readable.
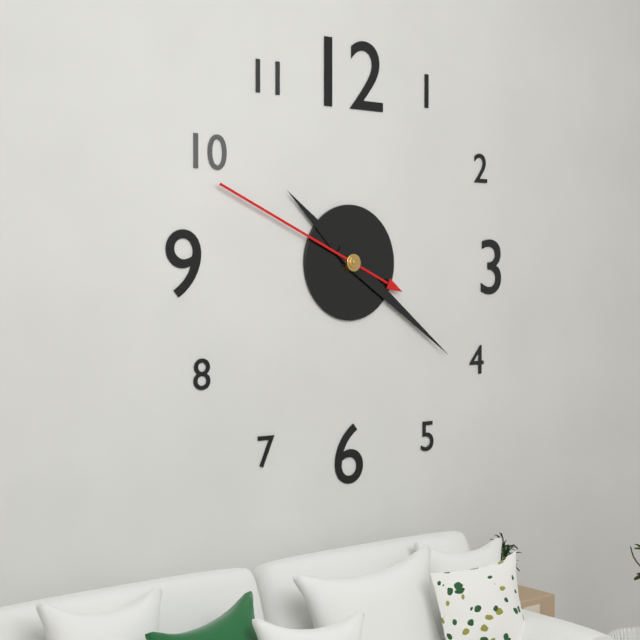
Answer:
10:21:49
